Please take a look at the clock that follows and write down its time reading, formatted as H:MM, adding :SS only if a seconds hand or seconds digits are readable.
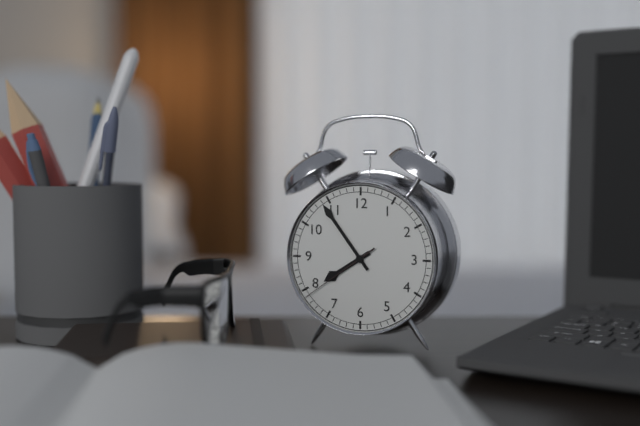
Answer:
7:54:39
